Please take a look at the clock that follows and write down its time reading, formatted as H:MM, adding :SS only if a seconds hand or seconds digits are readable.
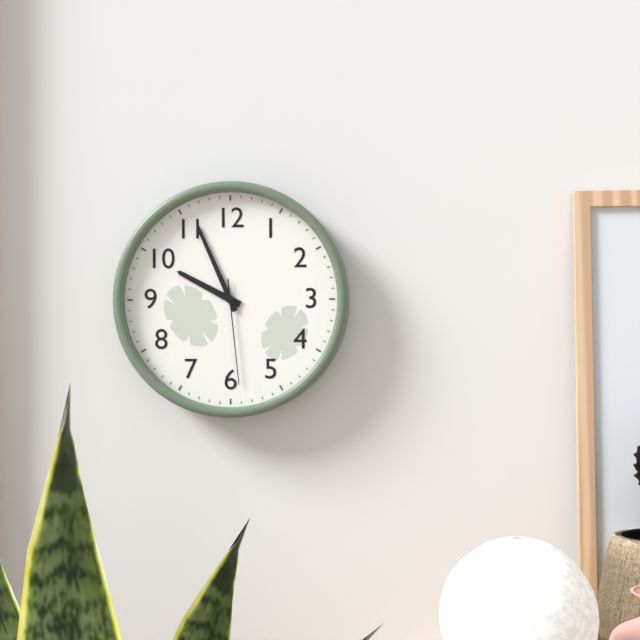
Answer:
9:56:29
